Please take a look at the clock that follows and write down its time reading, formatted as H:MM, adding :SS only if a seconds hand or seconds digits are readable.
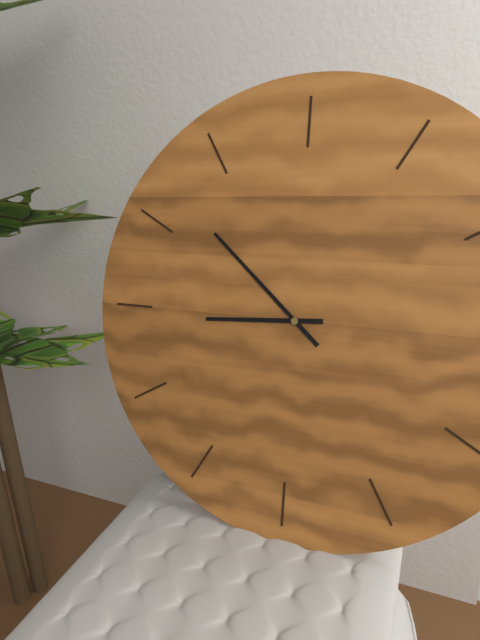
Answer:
8:52
